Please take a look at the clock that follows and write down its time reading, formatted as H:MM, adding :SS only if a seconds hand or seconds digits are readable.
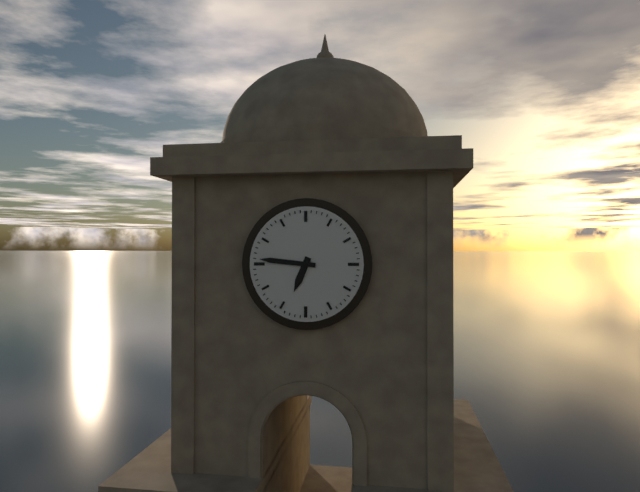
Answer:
6:46
